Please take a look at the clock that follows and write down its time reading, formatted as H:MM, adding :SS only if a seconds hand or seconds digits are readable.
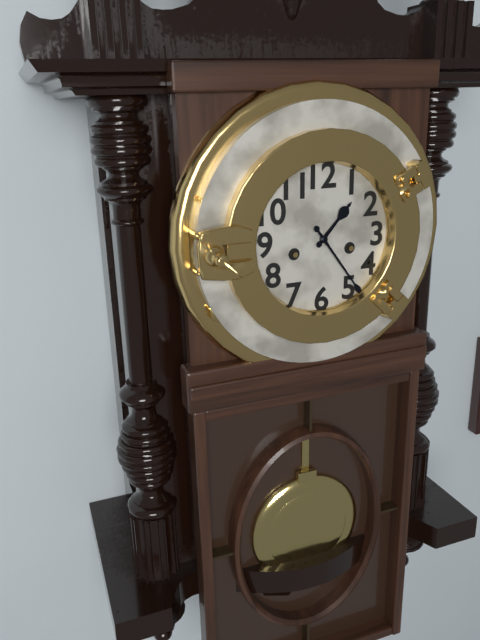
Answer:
1:24
